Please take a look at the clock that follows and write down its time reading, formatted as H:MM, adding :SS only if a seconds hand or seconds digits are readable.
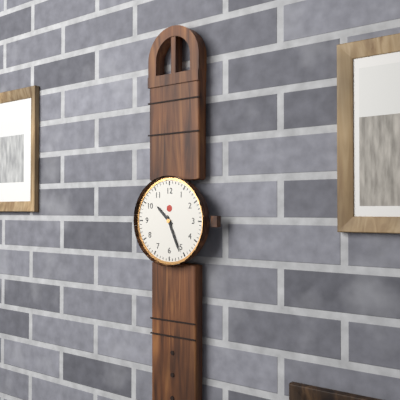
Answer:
10:26
